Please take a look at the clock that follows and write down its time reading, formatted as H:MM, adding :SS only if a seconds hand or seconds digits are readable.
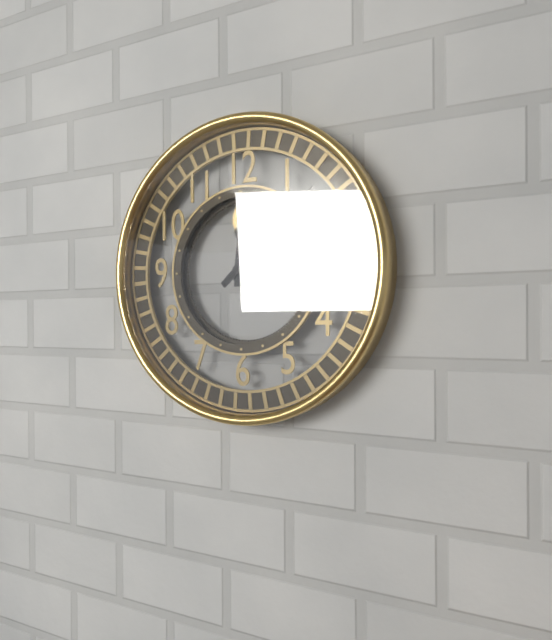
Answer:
12:08
